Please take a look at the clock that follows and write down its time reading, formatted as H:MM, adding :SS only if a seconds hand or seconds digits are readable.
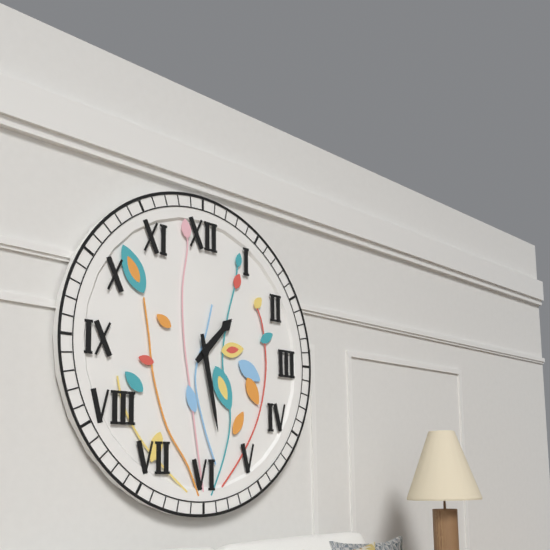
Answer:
1:28
